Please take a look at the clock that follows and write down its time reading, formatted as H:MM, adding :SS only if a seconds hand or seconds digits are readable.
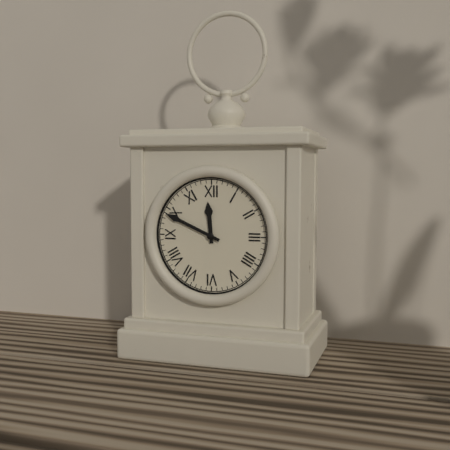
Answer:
11:49
